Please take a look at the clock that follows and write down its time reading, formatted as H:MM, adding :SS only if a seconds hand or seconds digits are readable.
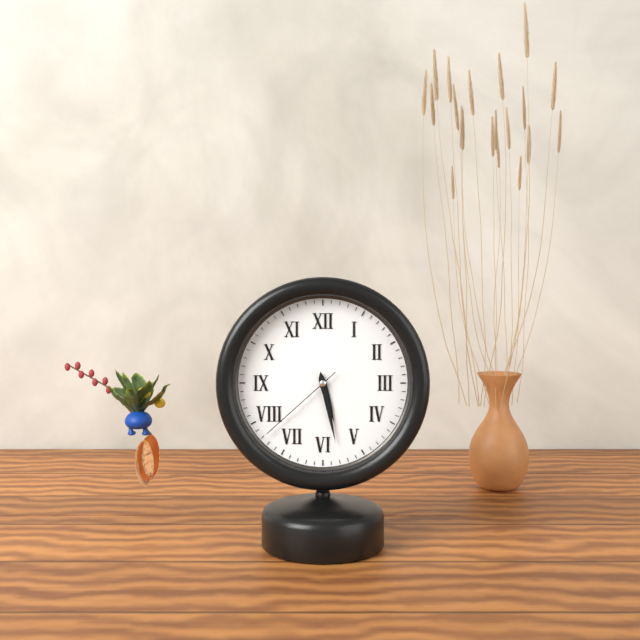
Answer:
5:28:38
